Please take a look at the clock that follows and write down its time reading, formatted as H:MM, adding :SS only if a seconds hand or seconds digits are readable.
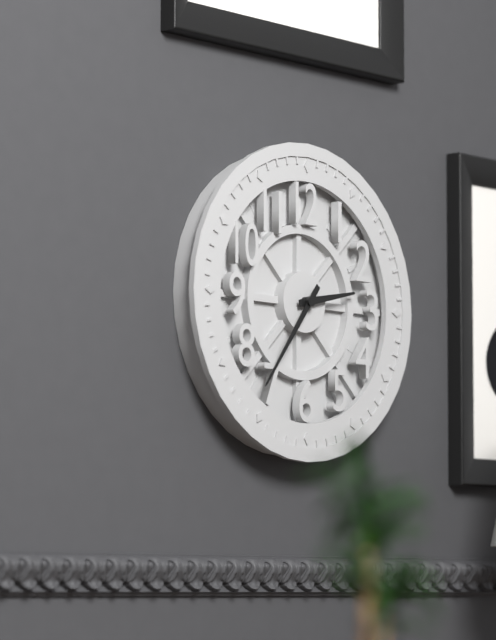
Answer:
2:36
